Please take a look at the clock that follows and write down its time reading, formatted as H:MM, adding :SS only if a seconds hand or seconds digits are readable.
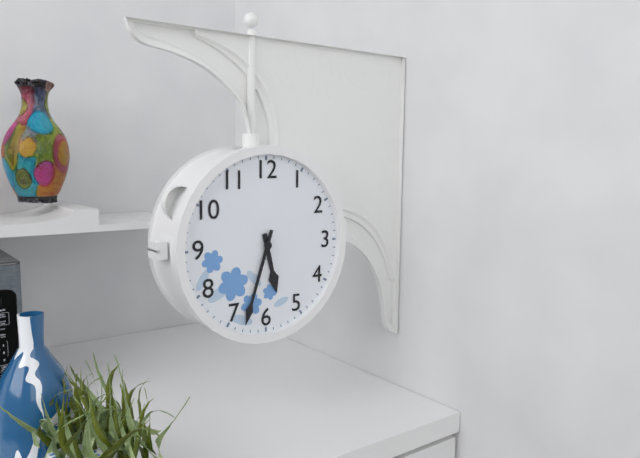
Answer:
5:33
